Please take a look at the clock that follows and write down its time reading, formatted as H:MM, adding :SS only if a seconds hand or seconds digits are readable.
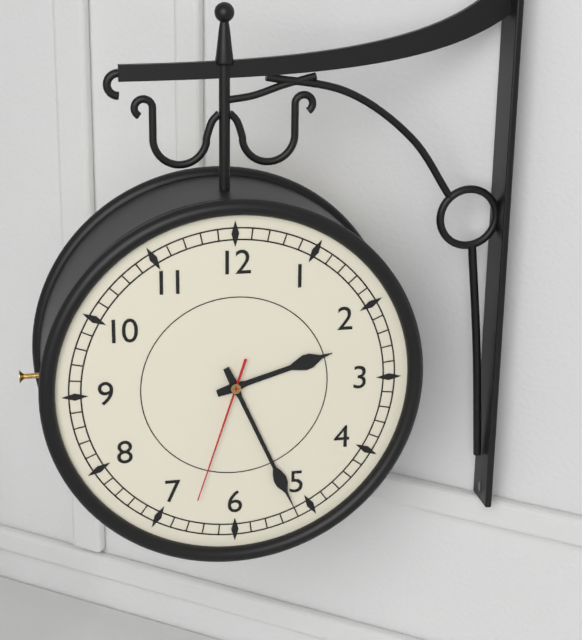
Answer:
2:26:33
